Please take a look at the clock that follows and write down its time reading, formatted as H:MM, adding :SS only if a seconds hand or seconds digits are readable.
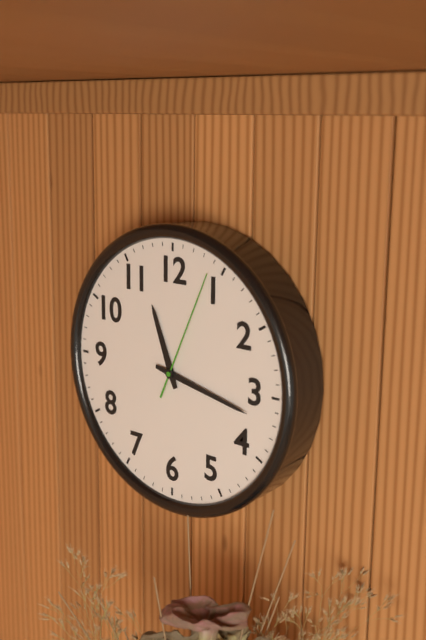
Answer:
11:17:04
